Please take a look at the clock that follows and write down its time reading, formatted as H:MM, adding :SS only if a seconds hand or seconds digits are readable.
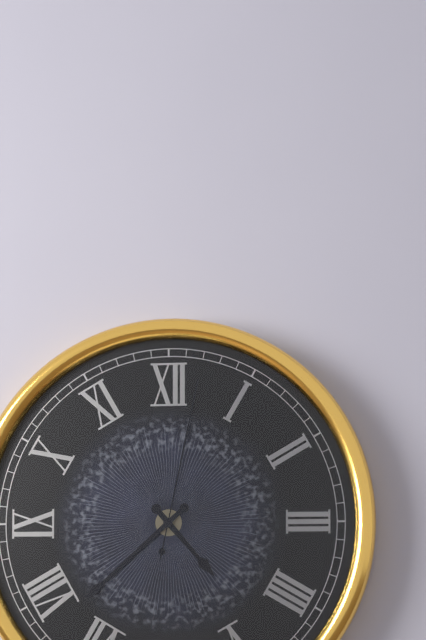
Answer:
4:38:02
